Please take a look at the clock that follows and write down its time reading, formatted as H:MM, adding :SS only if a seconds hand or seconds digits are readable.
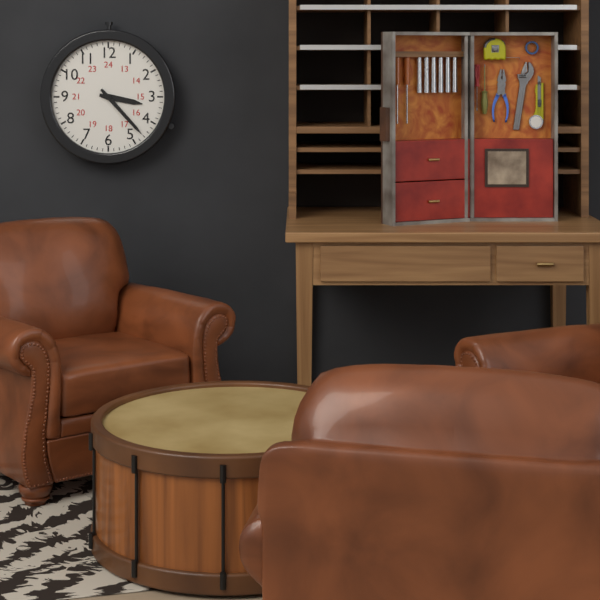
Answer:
3:23
